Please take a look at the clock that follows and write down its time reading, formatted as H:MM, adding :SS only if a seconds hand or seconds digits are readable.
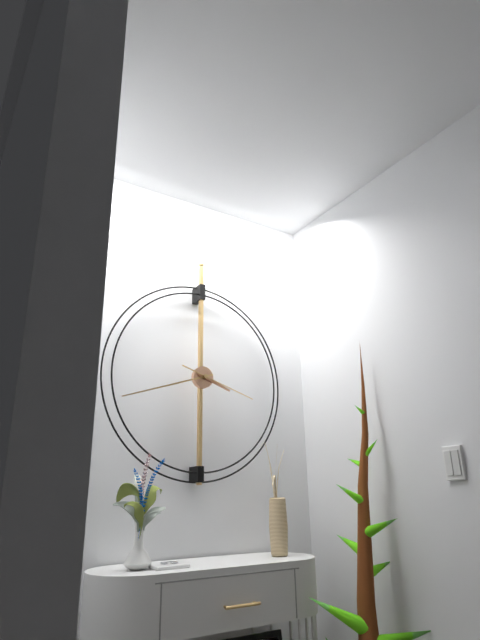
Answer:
3:42:18
